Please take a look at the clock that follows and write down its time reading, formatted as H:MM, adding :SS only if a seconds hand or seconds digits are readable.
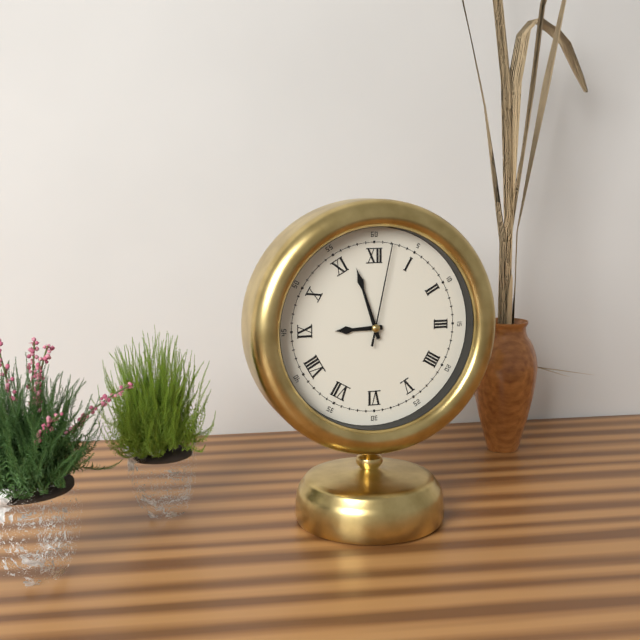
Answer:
8:57:02
